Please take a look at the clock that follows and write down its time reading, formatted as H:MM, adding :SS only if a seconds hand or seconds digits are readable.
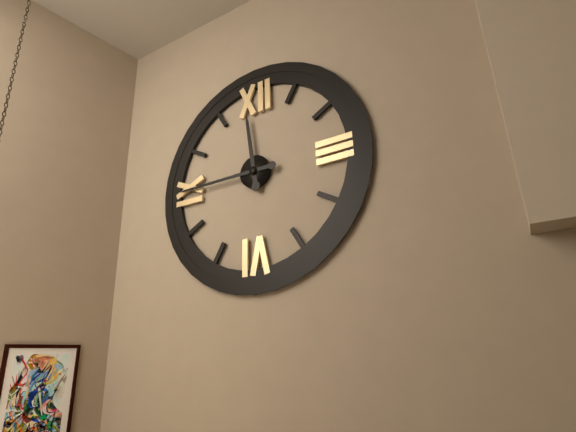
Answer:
11:45
